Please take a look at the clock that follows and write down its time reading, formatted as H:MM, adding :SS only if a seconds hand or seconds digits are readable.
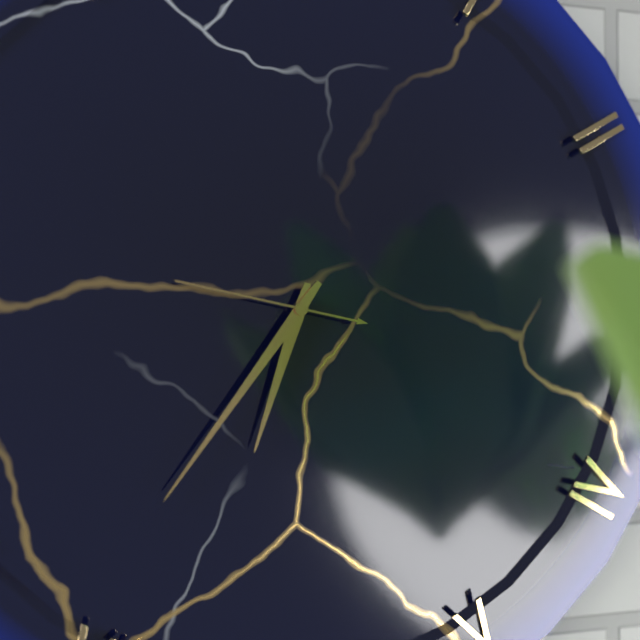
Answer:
6:36:47
